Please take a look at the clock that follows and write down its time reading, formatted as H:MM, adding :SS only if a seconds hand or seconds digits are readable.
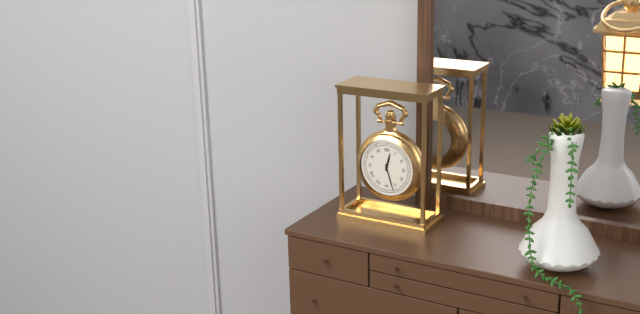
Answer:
12:27
